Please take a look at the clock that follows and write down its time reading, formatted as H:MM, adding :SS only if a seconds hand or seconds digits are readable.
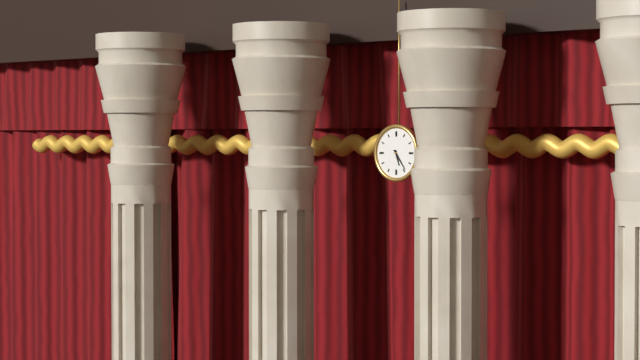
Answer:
5:24
